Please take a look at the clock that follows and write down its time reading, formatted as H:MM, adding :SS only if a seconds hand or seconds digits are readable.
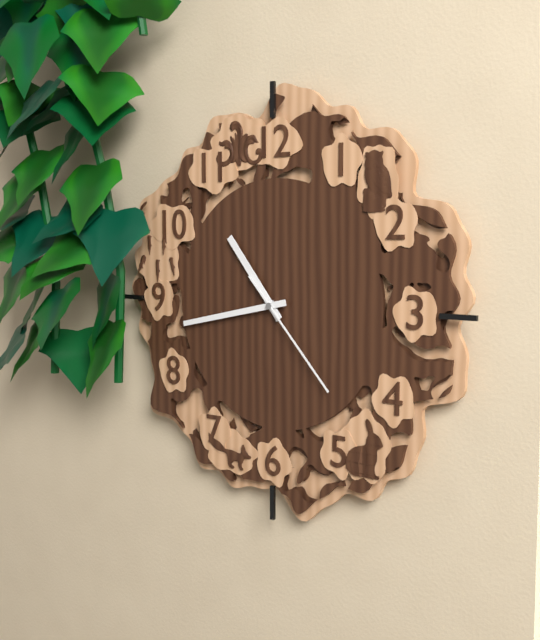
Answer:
10:43:23
